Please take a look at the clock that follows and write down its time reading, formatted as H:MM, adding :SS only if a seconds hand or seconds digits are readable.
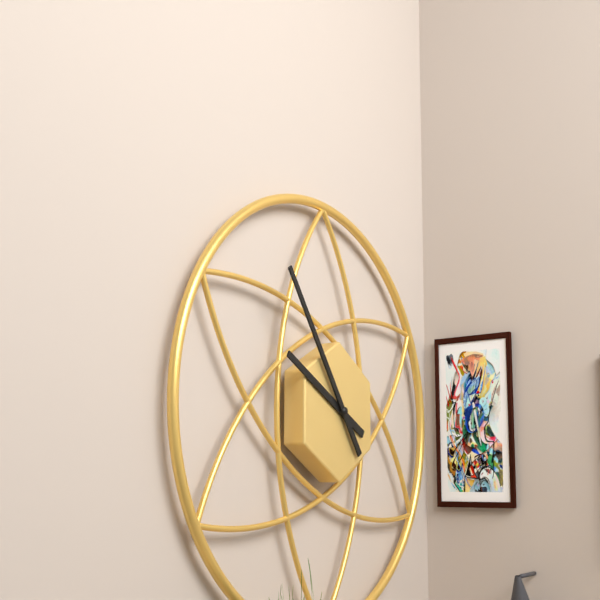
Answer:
9:54
